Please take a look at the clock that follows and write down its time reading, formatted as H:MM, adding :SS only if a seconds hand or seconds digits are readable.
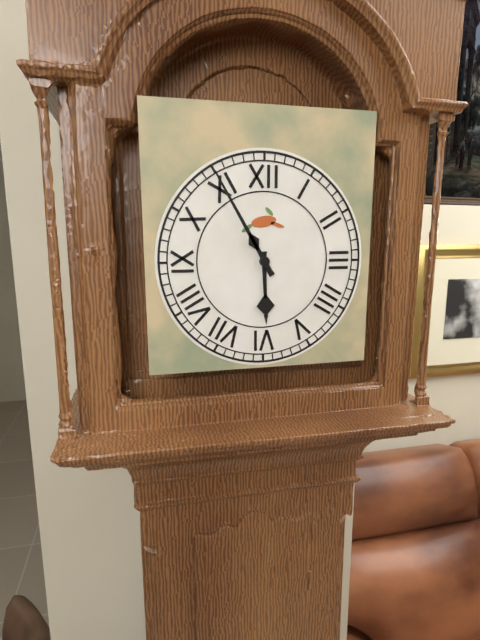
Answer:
5:55
